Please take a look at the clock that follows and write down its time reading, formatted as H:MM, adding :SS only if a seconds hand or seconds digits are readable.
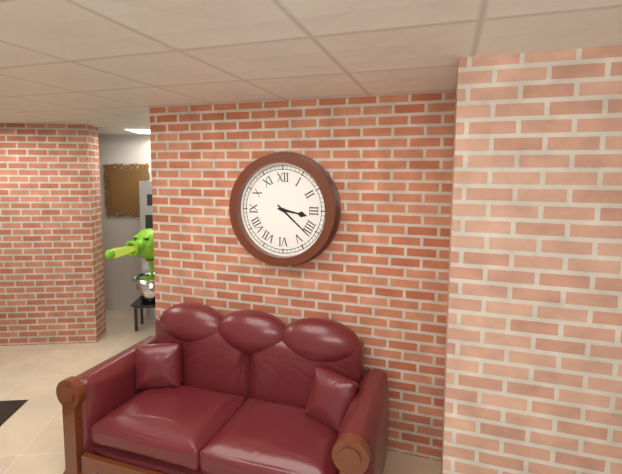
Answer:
3:22
